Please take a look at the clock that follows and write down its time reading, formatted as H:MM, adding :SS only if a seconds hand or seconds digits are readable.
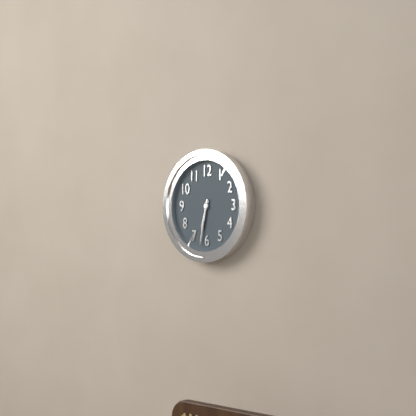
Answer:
6:32
